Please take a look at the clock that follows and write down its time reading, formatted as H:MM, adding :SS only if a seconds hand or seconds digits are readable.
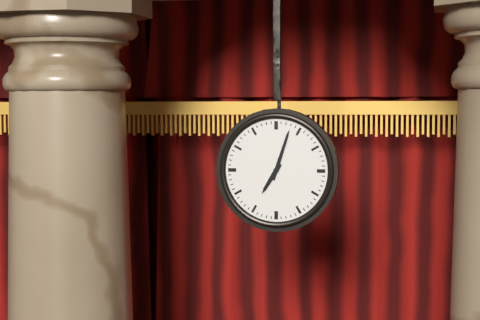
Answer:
7:03
